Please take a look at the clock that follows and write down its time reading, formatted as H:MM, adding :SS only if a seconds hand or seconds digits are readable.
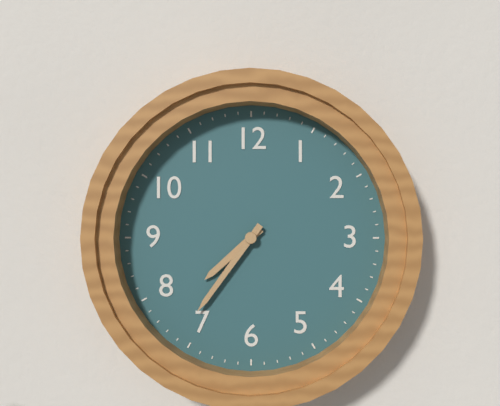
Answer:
7:36
